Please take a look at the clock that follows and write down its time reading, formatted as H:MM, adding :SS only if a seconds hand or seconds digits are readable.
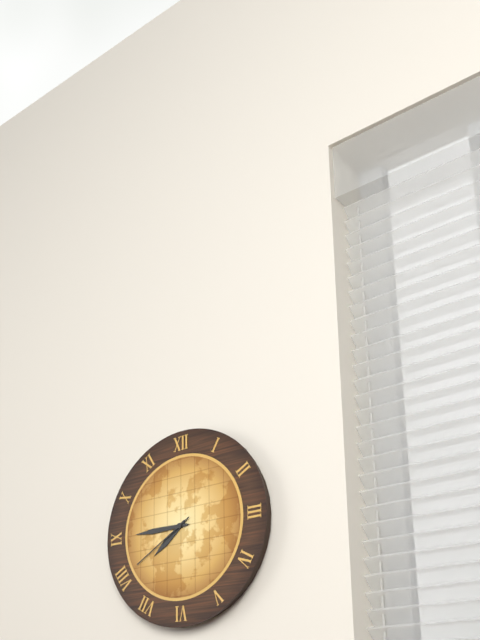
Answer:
7:45:40
